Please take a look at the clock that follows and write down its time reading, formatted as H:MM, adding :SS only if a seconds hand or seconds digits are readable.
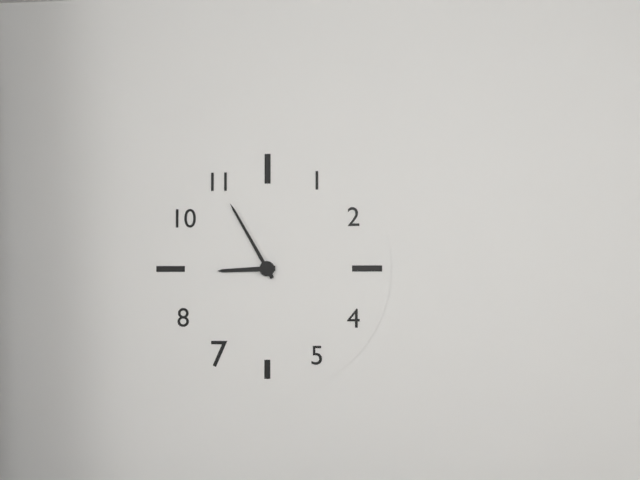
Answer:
8:55
